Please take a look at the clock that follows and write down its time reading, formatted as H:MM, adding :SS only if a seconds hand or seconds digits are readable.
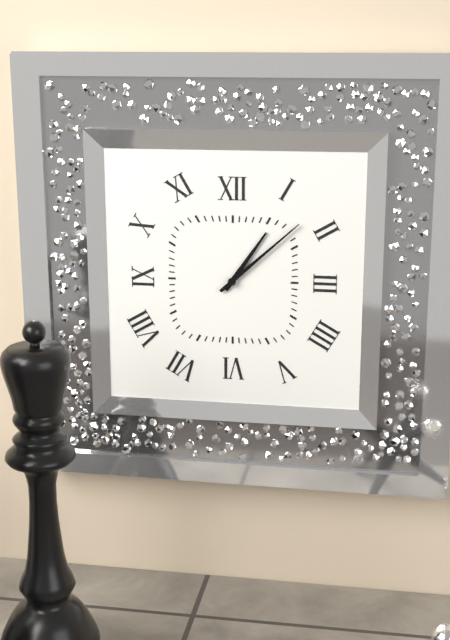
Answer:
1:08
